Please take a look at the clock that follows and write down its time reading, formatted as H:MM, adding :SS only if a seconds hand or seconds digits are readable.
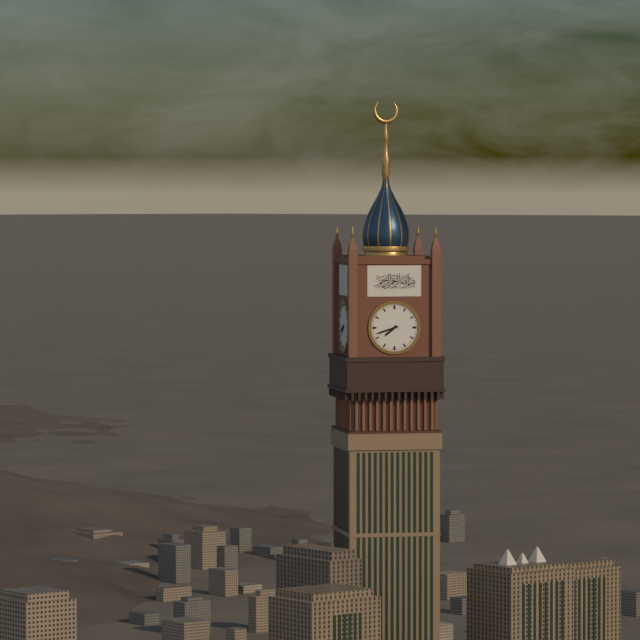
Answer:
7:42
